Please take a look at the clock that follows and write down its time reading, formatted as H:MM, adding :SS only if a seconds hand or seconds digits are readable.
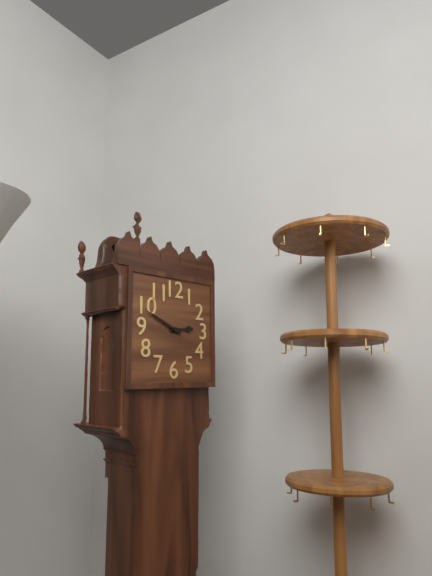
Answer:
2:49
